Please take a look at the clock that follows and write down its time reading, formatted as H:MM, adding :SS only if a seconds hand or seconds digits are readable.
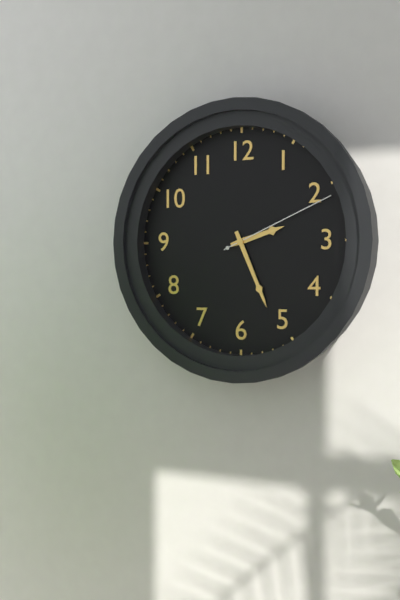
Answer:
2:26:11
